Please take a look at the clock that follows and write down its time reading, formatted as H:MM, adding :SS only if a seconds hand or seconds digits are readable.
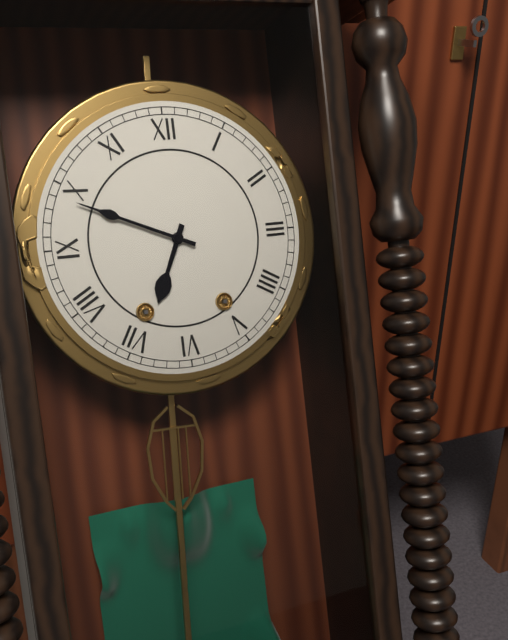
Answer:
6:49
